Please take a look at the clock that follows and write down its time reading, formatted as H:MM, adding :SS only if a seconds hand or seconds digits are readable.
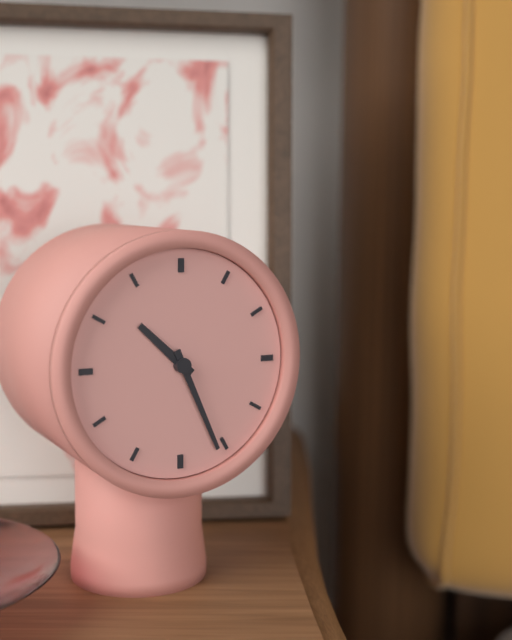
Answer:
10:26
